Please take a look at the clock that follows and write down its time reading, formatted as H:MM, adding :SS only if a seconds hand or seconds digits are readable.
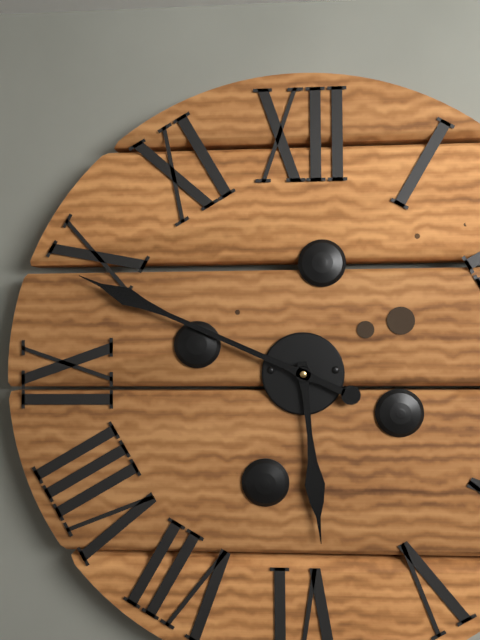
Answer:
5:49
